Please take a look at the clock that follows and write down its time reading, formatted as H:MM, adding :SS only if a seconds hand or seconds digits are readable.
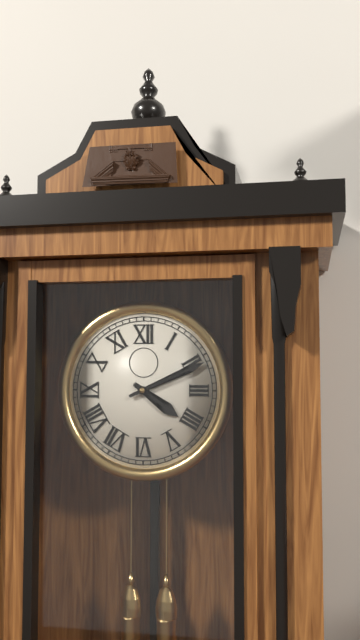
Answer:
4:11
